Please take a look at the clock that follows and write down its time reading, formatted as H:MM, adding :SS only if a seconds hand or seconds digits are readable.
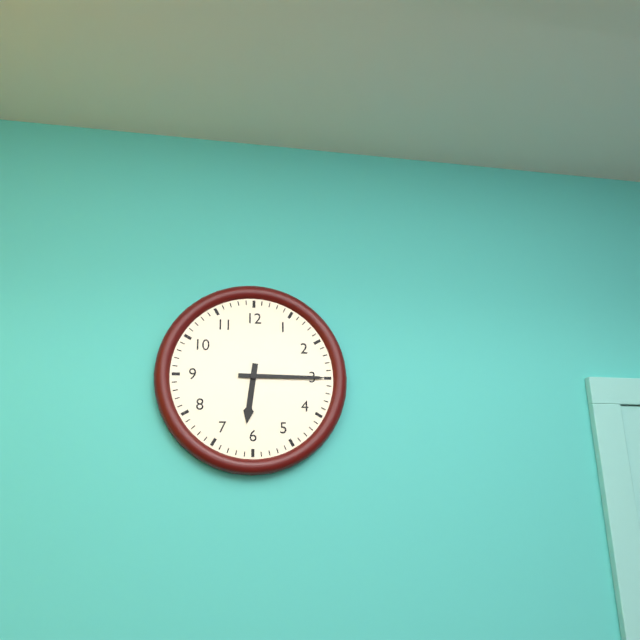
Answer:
6:15
